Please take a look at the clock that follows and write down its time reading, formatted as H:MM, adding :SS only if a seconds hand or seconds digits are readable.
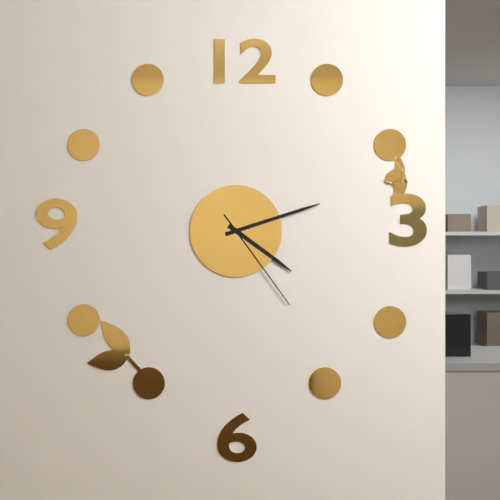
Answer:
4:12:24
